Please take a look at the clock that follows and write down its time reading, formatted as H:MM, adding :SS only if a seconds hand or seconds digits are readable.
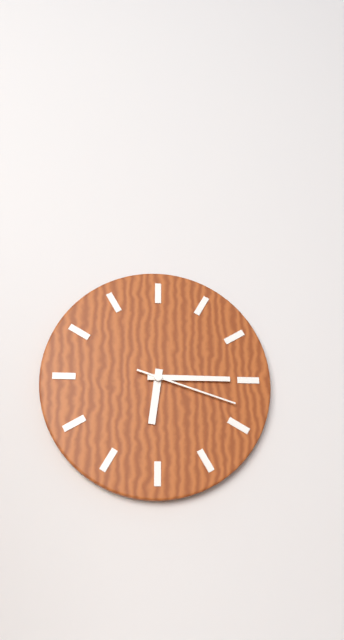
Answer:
6:15:18
